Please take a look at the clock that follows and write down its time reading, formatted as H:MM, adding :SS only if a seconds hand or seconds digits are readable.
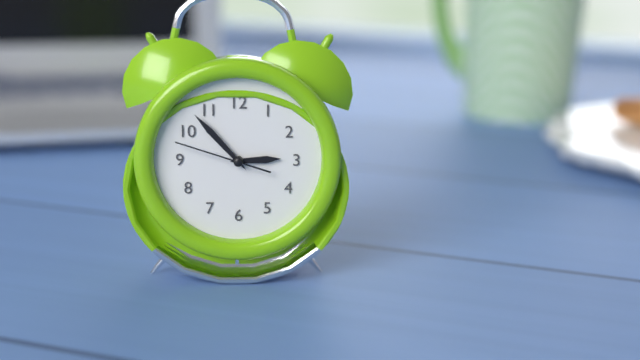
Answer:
2:53:48
